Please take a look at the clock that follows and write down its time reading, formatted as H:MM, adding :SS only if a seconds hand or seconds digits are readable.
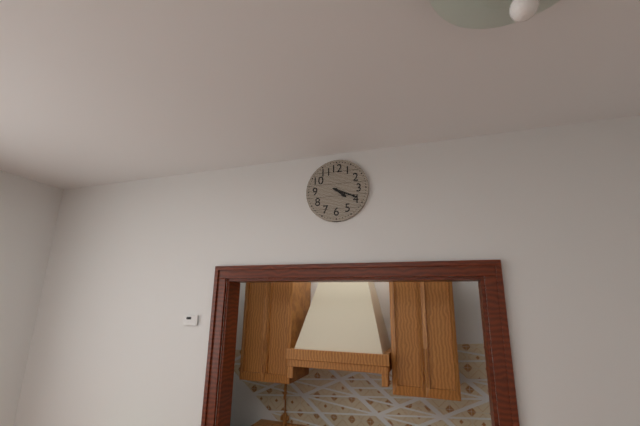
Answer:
4:19
